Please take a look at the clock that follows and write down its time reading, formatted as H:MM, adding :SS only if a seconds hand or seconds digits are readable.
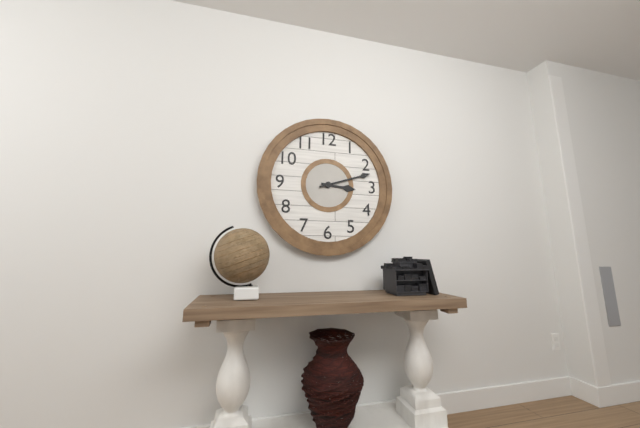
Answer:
3:12
